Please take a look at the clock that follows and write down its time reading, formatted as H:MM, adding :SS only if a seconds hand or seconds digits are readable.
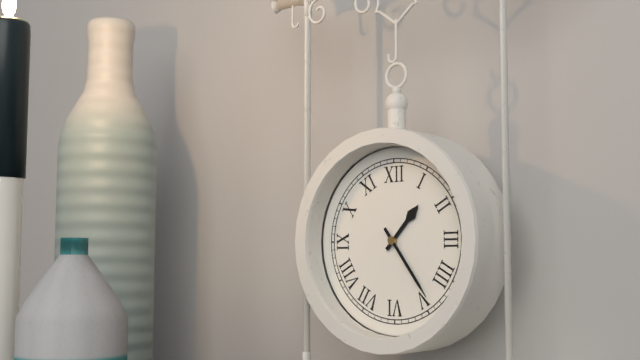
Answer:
1:24
